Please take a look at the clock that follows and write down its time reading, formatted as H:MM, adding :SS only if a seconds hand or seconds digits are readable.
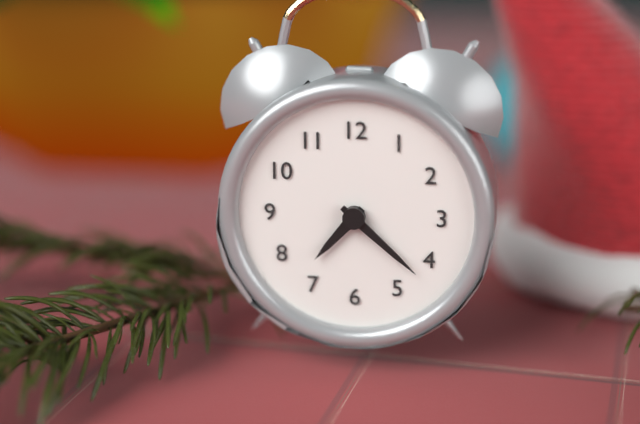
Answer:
7:22
